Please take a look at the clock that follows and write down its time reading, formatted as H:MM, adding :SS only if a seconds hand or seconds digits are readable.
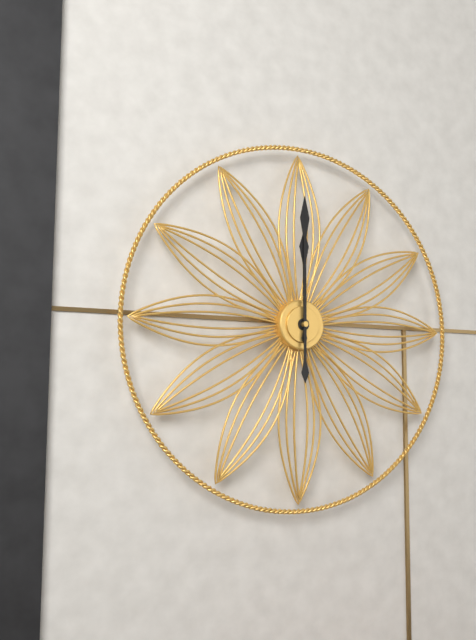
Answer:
12:00
